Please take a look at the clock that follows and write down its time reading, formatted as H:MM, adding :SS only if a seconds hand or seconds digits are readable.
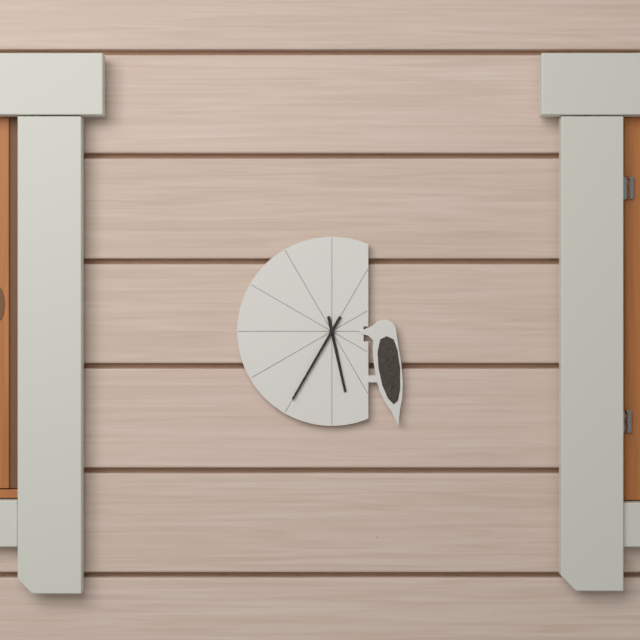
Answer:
5:35
